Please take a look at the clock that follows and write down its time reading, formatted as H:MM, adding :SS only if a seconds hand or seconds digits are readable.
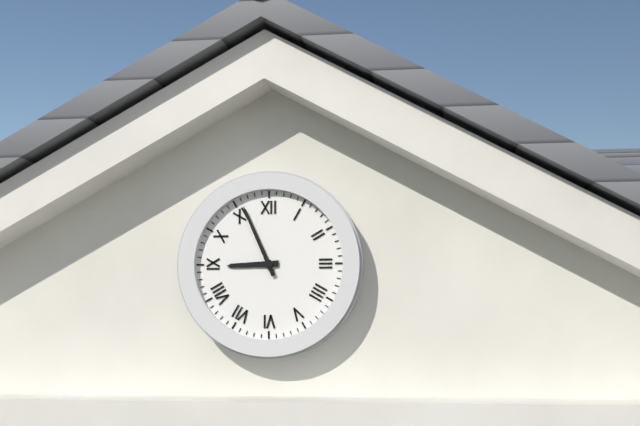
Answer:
8:56
